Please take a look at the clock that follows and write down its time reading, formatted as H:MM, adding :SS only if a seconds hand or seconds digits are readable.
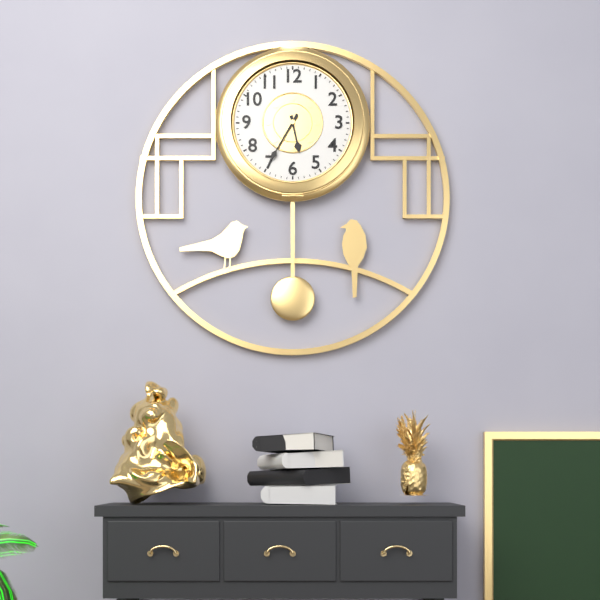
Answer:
5:35
